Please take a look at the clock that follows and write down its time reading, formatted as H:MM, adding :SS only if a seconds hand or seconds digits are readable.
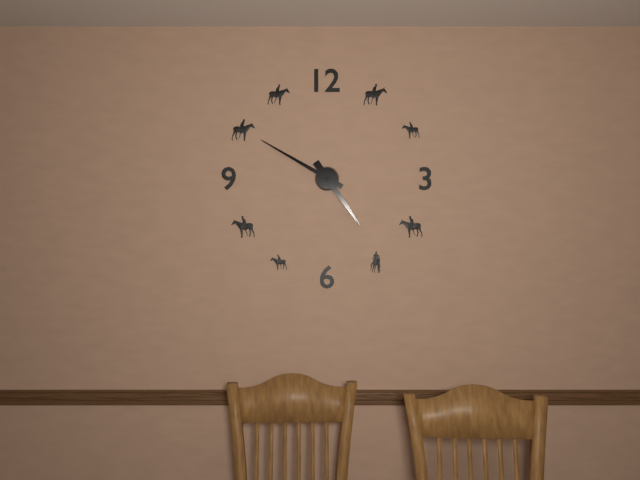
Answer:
4:50
